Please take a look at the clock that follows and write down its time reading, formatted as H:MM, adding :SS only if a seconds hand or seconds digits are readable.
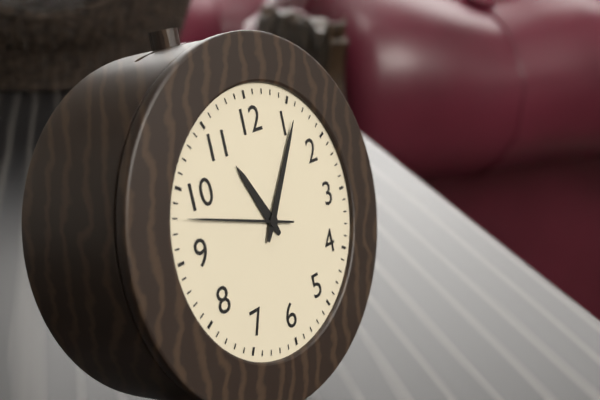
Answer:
11:06:48
